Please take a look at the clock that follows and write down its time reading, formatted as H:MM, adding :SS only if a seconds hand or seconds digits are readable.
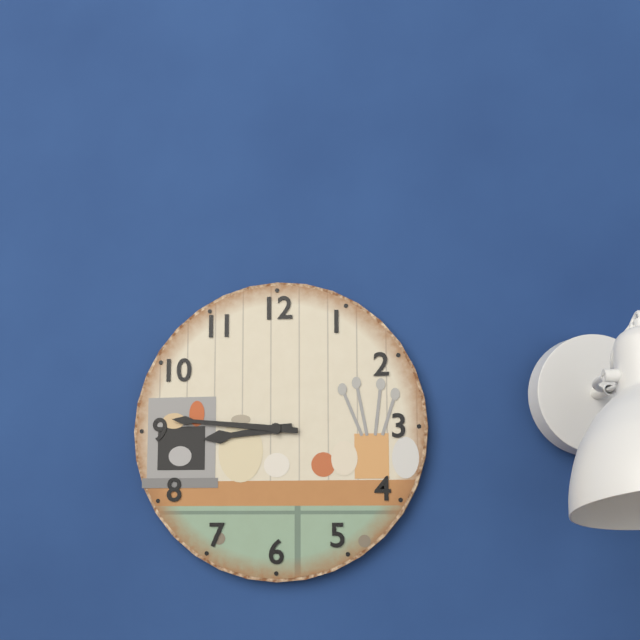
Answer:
8:46
